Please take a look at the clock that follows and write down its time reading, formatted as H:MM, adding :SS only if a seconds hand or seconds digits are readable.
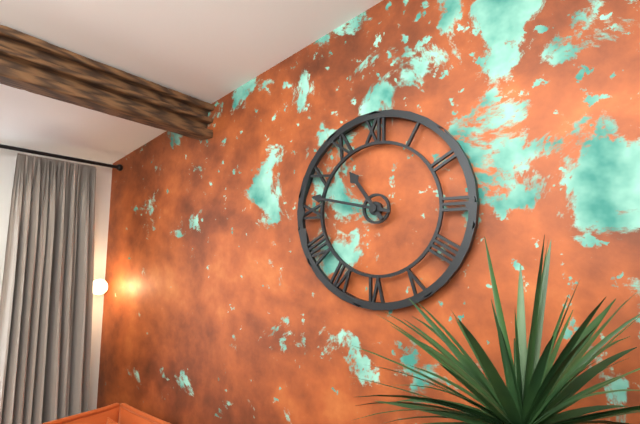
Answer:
10:47
